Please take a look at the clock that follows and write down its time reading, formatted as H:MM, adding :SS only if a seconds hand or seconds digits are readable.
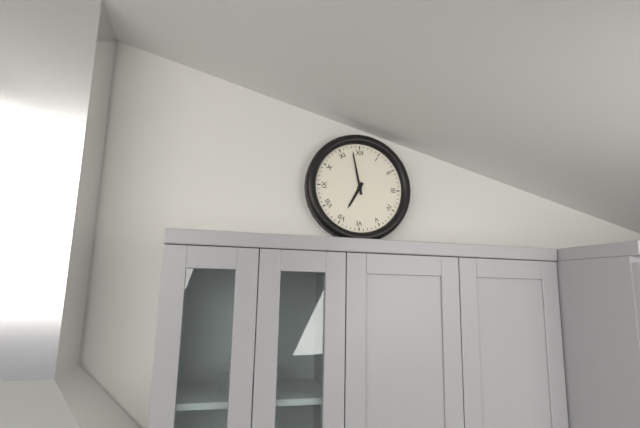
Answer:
6:58
